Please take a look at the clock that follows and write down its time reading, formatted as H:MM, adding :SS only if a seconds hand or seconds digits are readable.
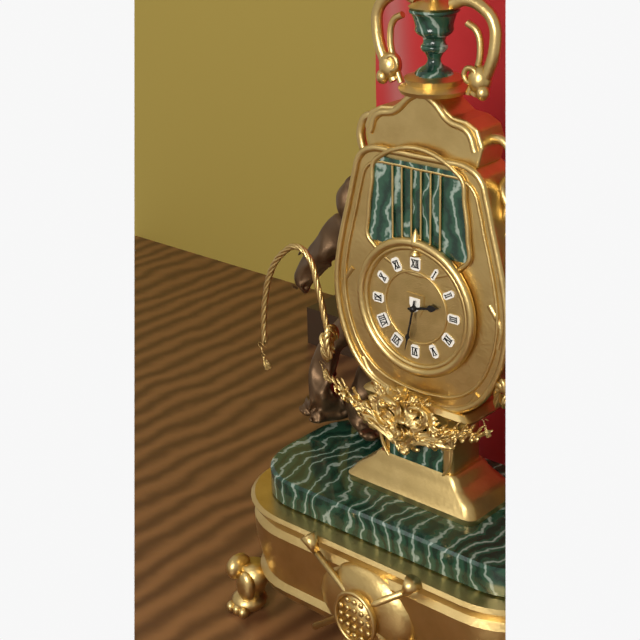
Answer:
2:32
